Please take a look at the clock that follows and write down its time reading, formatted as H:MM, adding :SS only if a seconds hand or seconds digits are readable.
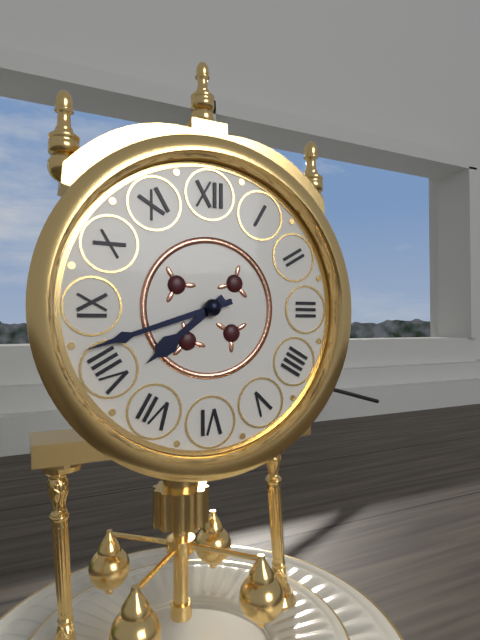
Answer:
7:42
